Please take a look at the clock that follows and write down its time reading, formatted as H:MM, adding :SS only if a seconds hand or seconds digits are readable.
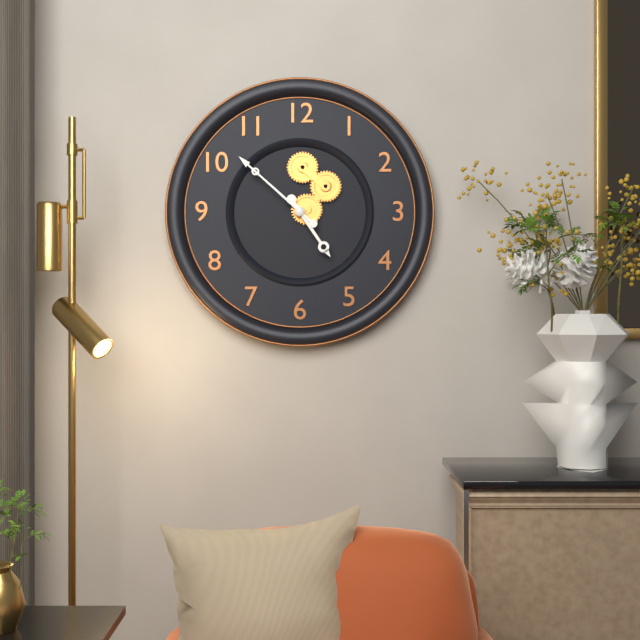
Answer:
4:52
